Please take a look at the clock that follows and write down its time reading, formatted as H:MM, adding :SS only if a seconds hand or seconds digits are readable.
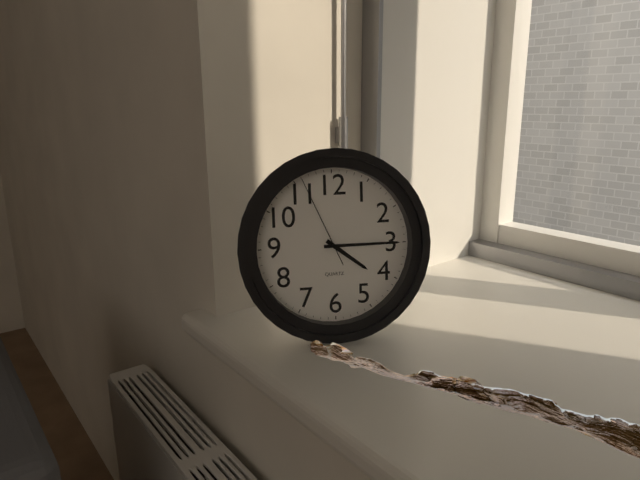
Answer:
4:15:56
